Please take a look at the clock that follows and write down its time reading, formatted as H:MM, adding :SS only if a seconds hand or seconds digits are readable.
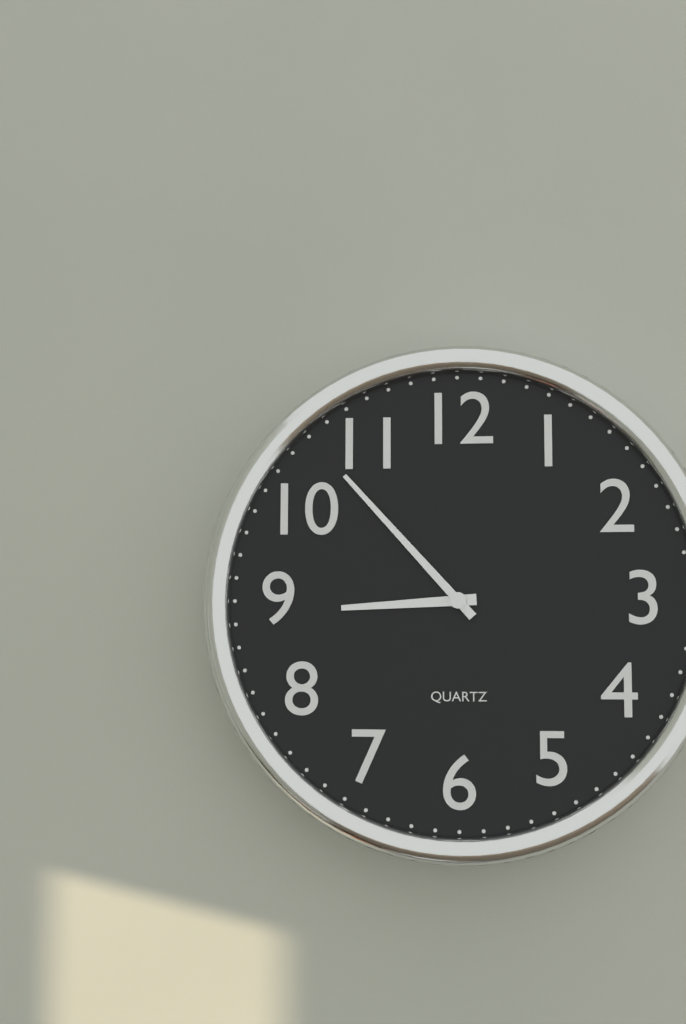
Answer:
8:53
